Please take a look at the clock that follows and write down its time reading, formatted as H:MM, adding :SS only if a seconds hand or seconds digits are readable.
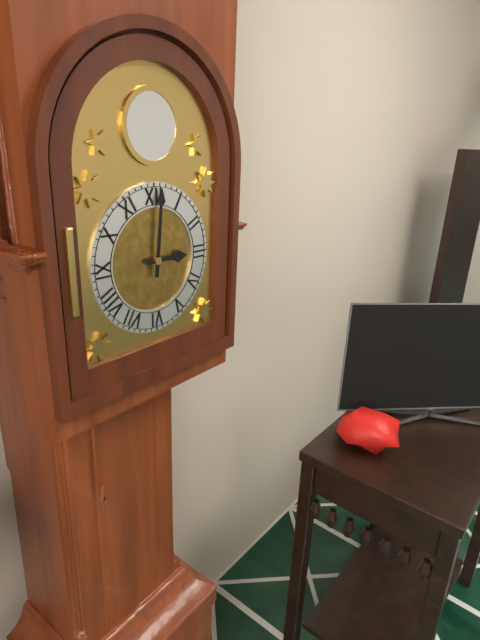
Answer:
3:01
